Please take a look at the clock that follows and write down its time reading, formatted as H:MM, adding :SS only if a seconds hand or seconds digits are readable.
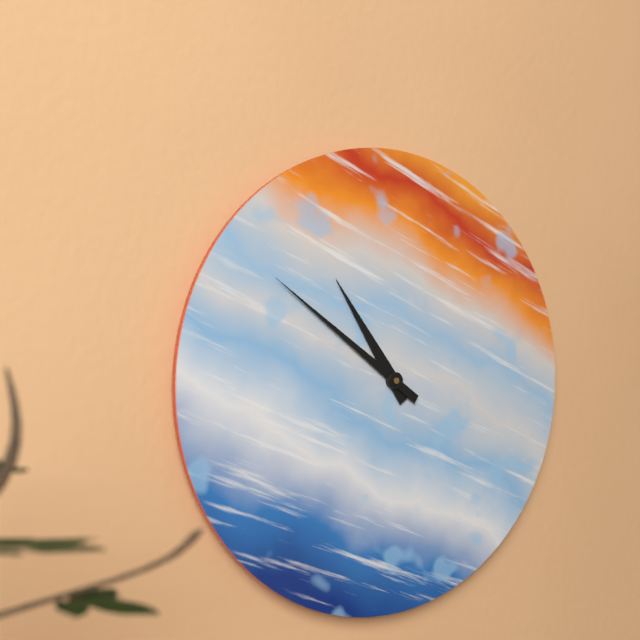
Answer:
10:51
